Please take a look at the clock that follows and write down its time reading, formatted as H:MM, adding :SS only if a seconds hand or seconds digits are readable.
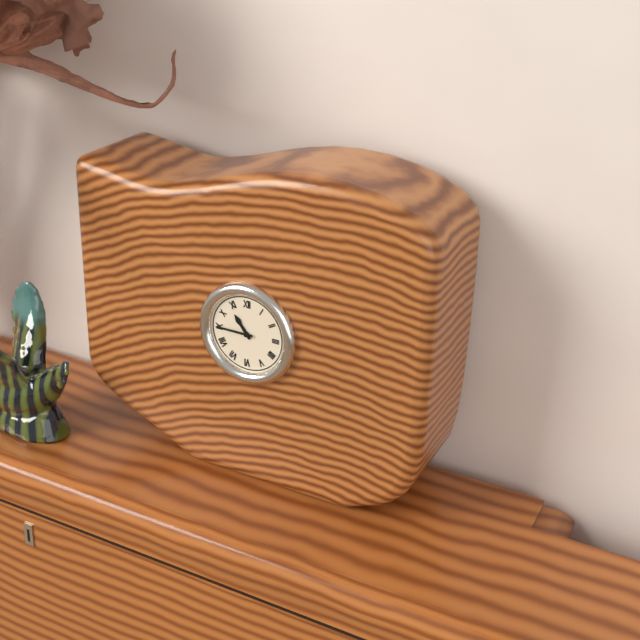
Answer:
10:45
